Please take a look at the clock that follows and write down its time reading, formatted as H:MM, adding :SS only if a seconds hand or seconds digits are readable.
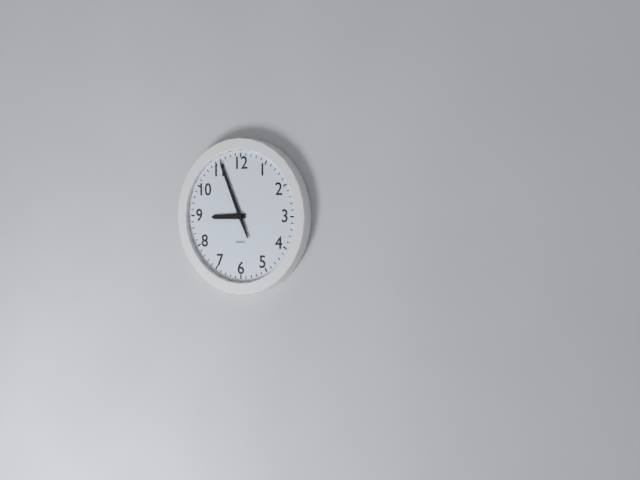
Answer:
8:56
